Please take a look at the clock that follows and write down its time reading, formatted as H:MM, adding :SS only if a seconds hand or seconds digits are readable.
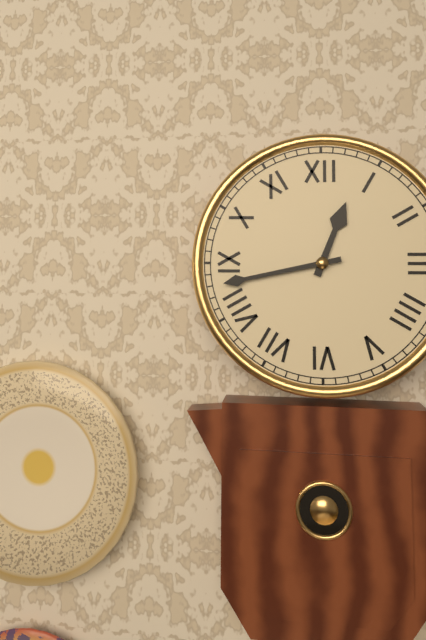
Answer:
12:43
